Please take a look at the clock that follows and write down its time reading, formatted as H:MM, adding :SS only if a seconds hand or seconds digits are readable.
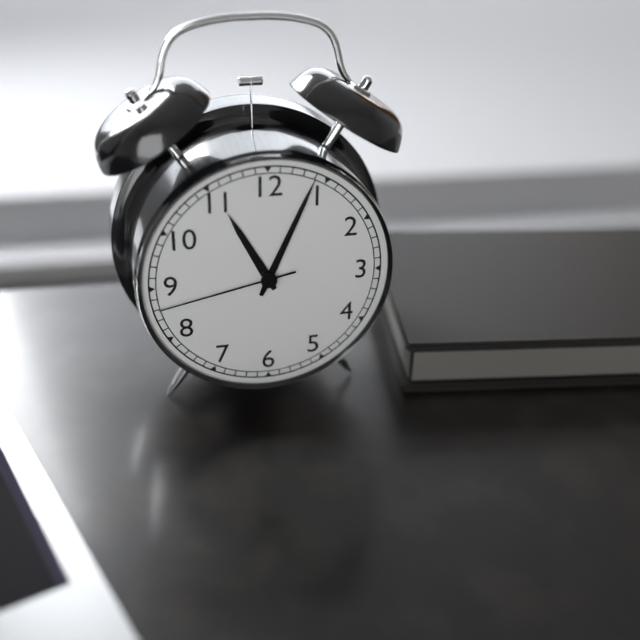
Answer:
11:04:43
